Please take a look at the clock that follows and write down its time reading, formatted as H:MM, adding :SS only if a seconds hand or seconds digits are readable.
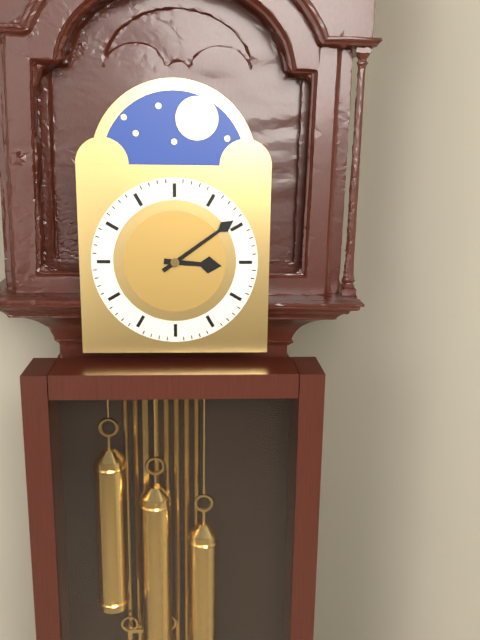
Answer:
3:09
